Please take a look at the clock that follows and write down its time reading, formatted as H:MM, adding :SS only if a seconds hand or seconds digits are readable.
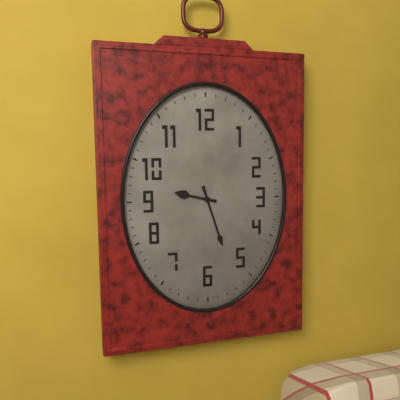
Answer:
9:27
